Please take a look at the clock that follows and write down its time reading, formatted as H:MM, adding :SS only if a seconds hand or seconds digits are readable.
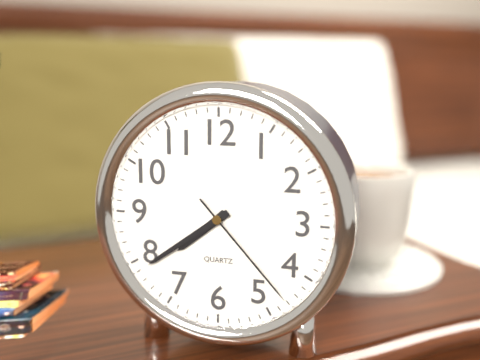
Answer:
7:39:23
